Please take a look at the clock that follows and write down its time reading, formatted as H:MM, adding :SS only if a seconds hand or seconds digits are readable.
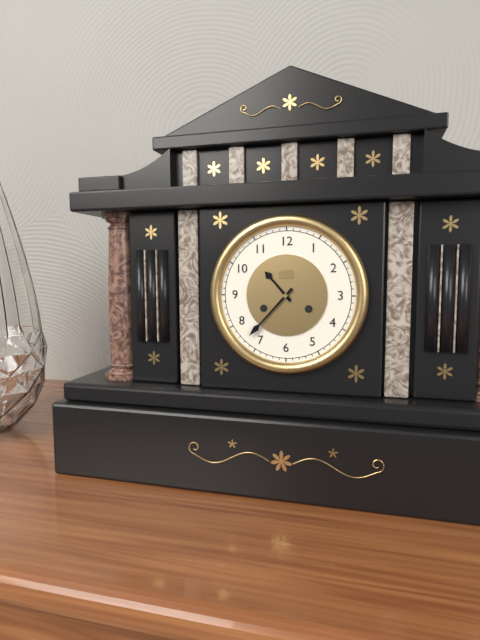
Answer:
10:37
